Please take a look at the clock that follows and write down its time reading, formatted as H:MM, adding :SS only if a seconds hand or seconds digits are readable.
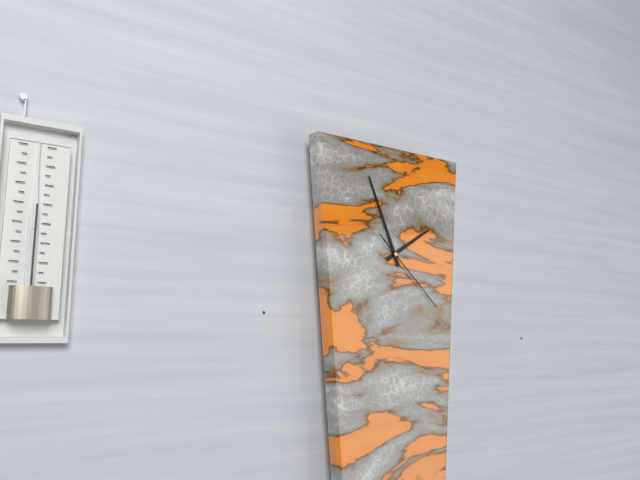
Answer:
1:56:22
